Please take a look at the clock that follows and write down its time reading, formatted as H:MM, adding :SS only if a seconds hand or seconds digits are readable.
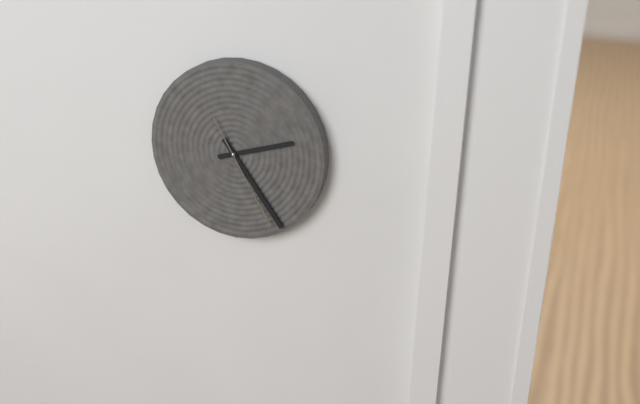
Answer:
2:24:25
